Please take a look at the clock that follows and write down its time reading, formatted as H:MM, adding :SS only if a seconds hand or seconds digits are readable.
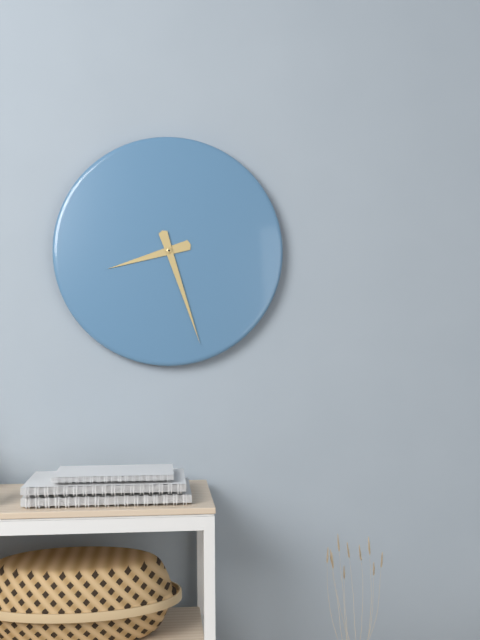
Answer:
8:27
